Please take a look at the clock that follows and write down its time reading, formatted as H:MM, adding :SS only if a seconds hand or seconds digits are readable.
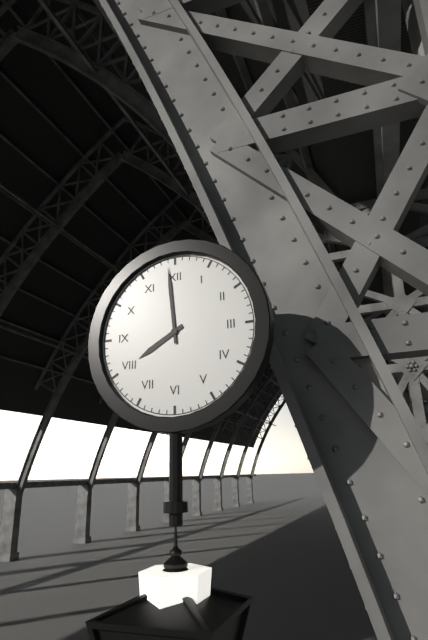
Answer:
7:59
